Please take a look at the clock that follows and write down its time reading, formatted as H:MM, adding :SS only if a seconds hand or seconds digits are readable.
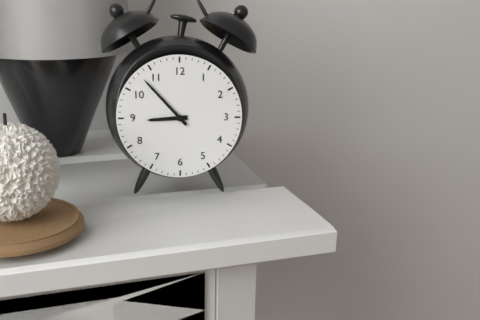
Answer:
8:53
